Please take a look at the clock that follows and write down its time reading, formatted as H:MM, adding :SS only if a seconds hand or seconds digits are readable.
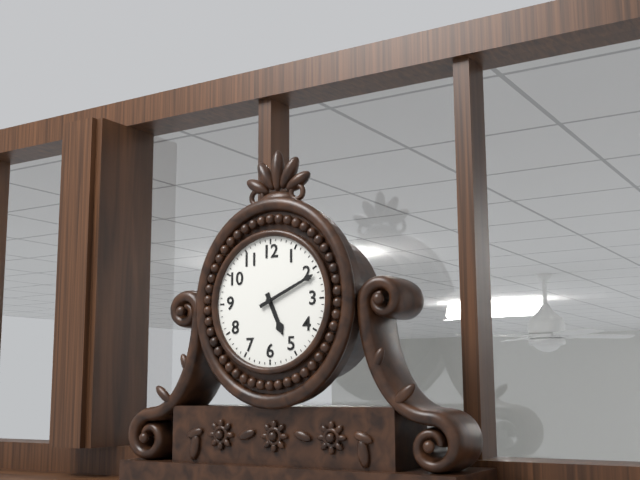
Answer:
5:11
